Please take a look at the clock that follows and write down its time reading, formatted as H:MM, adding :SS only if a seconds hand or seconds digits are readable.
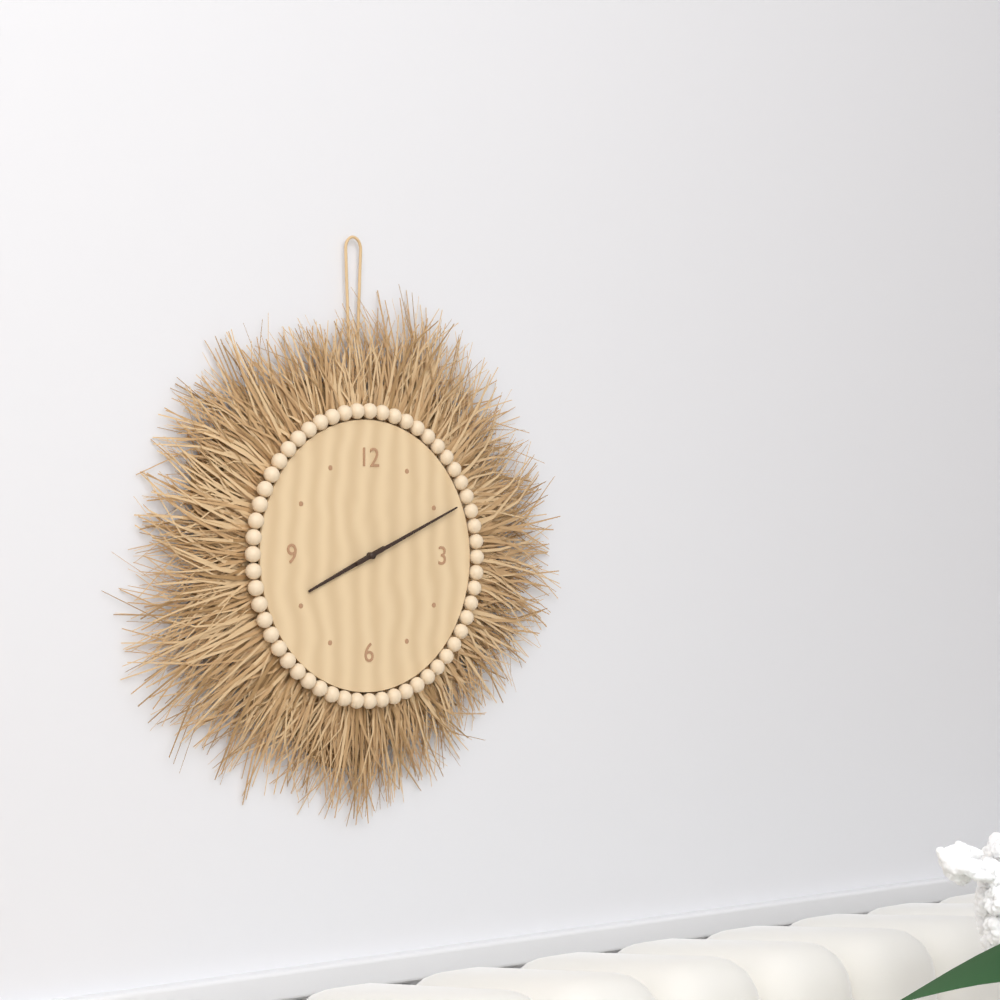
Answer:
8:11
